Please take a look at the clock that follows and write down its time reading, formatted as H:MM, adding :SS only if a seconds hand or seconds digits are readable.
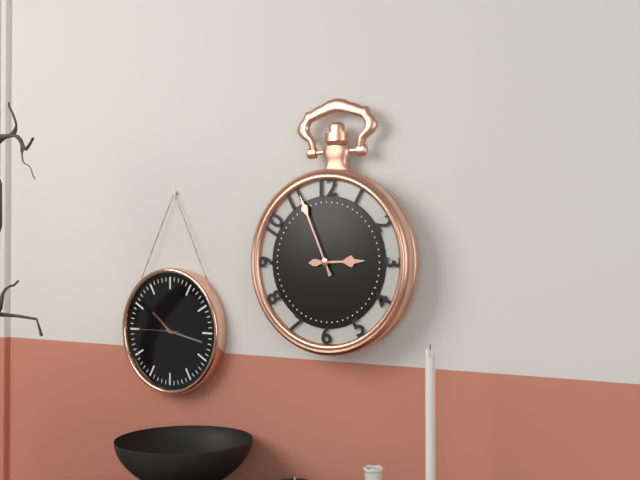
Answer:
2:56
